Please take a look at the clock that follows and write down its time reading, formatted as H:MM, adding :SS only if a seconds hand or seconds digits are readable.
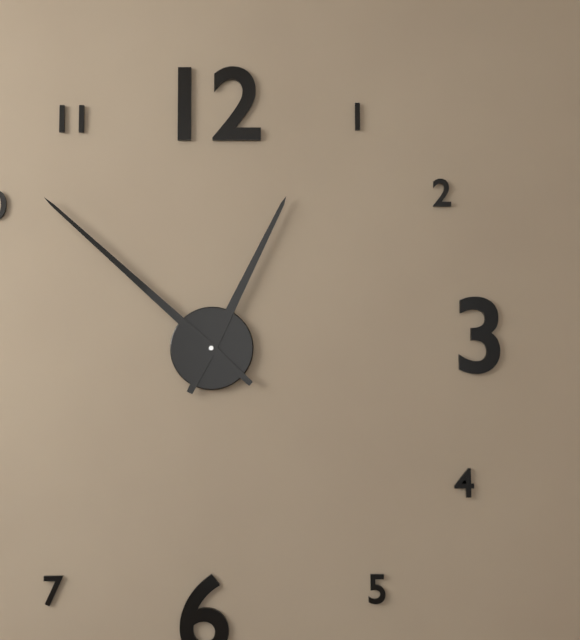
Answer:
12:52
